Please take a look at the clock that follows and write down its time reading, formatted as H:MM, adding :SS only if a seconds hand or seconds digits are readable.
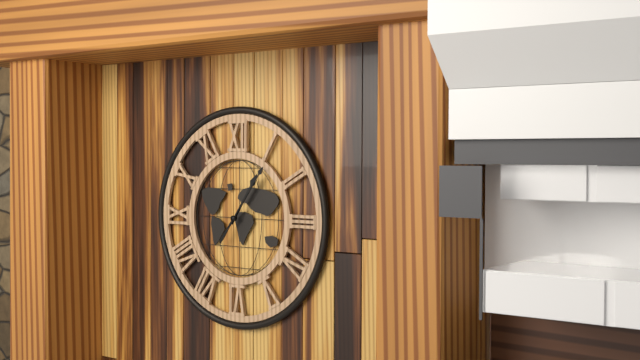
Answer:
1:06
